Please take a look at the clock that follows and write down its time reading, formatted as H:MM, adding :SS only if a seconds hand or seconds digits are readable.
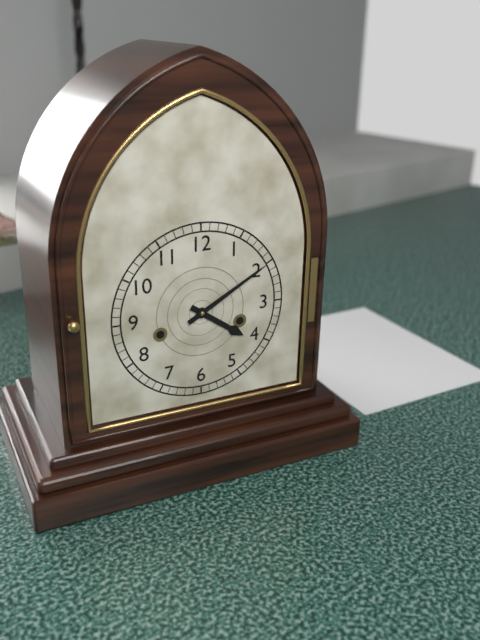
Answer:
4:10
